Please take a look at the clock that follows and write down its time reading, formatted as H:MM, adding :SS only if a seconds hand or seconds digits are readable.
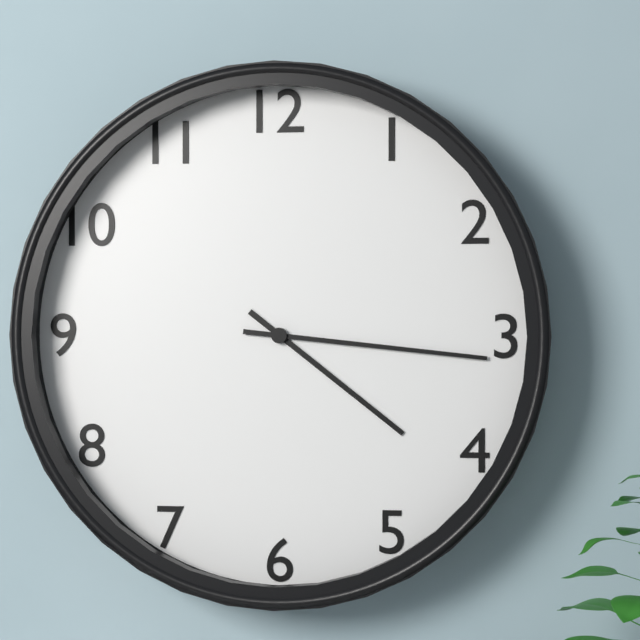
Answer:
4:16
